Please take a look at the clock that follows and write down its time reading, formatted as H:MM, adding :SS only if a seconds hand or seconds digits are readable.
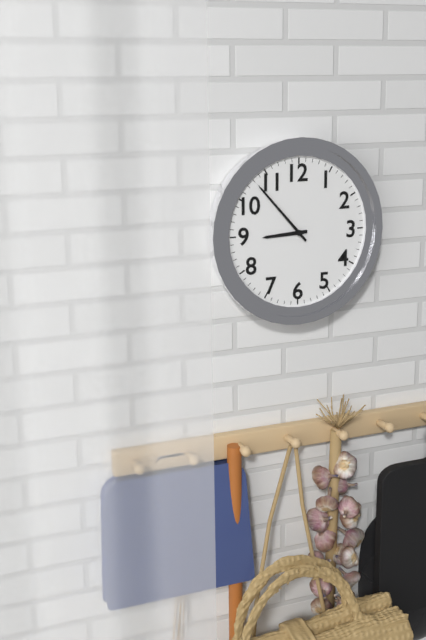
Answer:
8:53
